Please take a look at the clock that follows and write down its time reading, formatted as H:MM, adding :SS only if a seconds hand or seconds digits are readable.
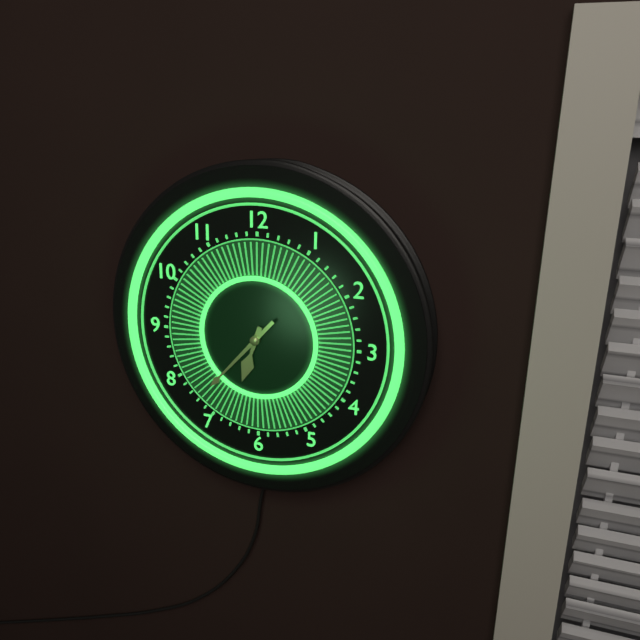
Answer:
6:37
